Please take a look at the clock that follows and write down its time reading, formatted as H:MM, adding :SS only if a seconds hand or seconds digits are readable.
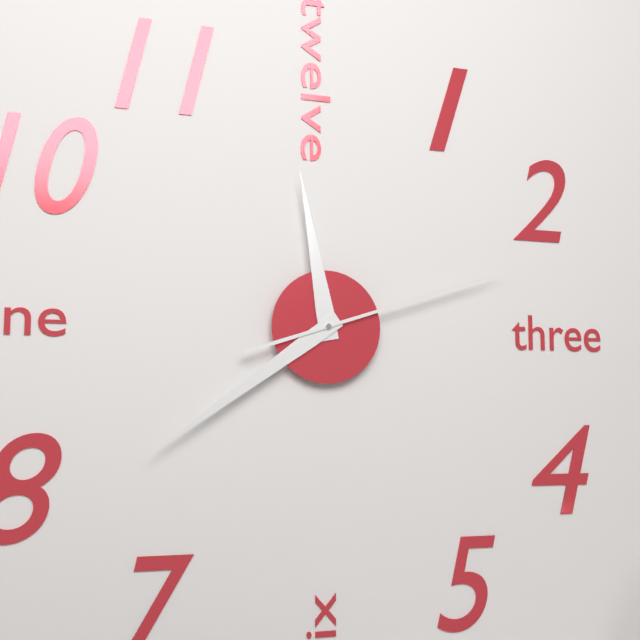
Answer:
11:39:12
